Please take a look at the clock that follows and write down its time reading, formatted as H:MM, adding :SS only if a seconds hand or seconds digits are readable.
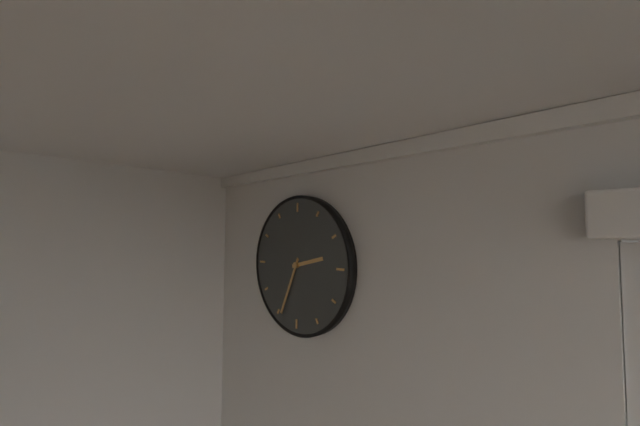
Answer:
2:34
